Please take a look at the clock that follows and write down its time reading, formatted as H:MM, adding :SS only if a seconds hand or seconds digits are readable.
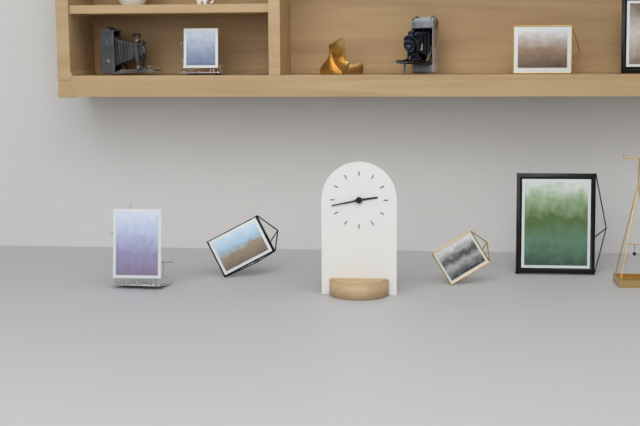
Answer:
2:43
